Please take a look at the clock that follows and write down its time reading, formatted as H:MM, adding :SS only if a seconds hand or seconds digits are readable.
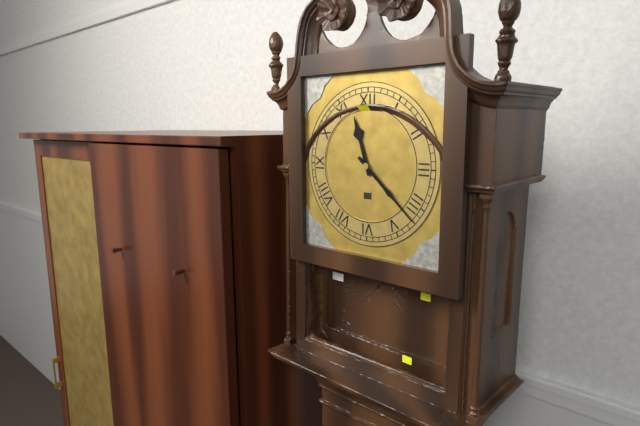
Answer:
11:22
